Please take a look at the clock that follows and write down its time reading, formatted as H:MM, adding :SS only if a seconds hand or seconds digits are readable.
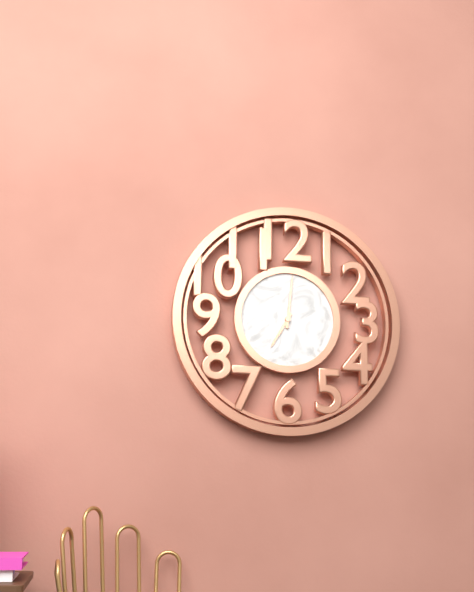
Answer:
7:01
